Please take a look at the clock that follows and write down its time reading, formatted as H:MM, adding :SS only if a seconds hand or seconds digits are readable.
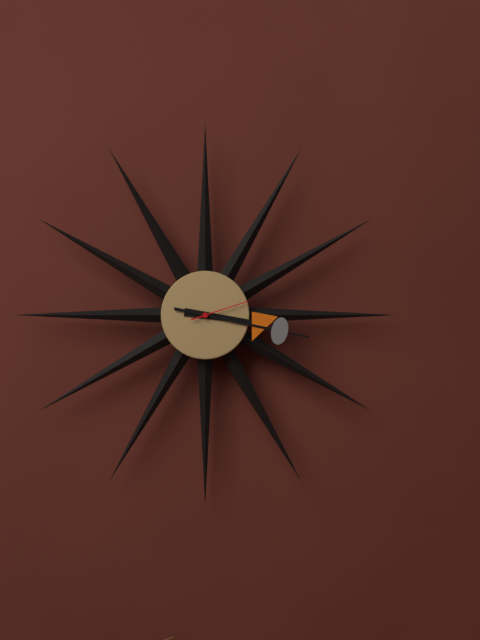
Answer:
3:17:12
